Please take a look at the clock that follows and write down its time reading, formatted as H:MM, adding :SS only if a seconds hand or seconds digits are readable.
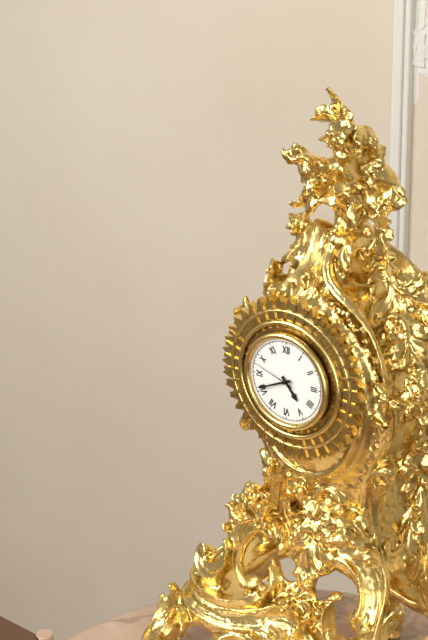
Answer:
4:41
